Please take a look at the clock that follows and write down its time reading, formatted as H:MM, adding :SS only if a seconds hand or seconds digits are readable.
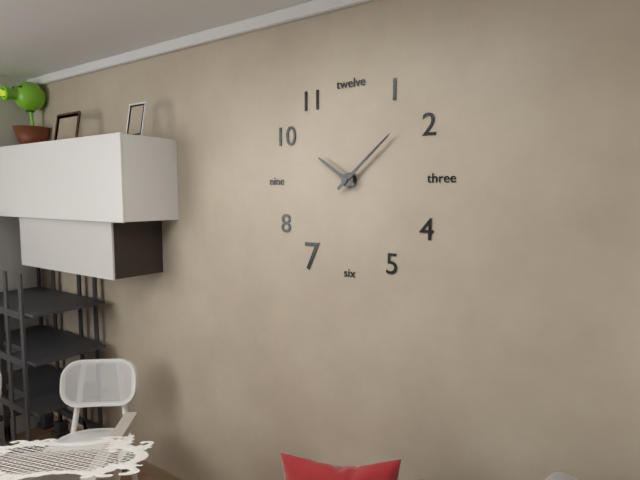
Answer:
10:08
